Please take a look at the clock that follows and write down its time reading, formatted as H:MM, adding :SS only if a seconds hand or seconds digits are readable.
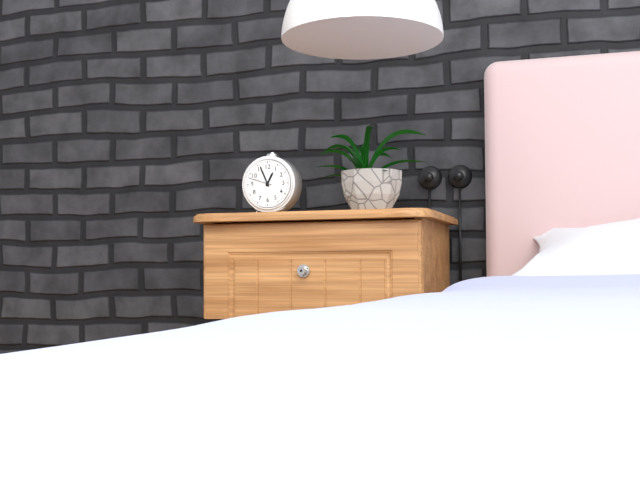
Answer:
12:56
